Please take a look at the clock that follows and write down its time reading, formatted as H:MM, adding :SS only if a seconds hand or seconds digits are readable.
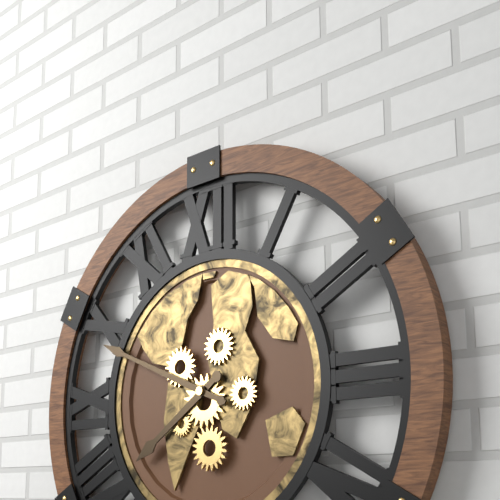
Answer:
7:49
